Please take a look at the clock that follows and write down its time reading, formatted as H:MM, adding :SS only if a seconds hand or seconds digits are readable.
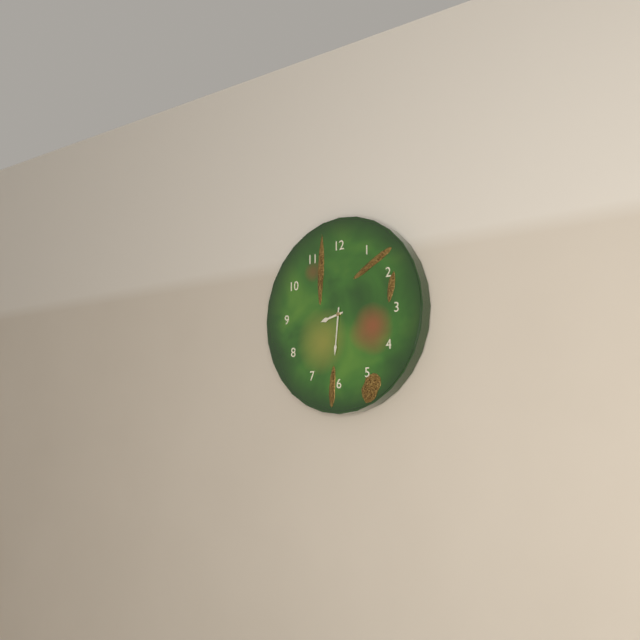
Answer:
8:31
